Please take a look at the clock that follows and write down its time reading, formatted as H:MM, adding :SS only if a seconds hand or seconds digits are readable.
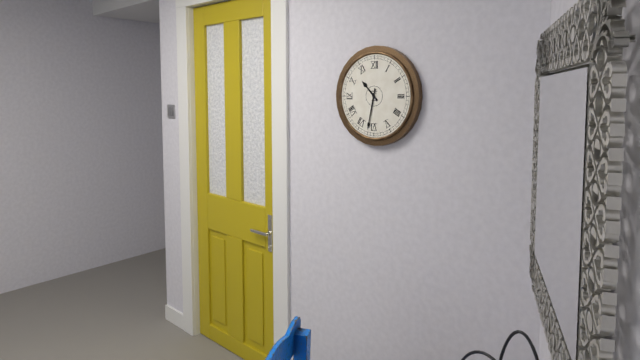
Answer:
10:32
